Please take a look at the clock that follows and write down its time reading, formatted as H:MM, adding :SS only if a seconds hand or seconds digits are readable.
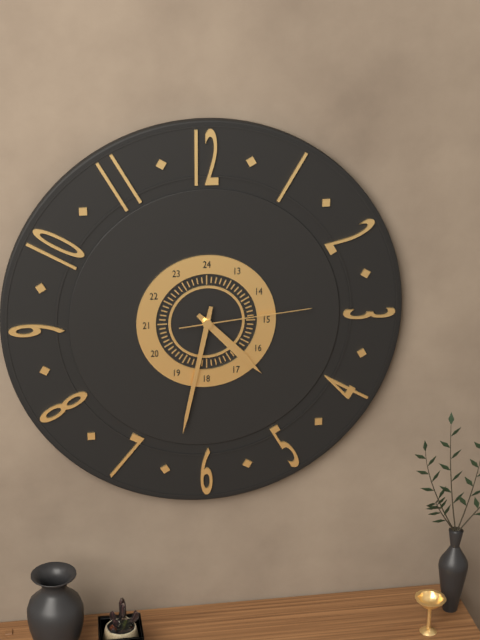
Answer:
4:32:14
